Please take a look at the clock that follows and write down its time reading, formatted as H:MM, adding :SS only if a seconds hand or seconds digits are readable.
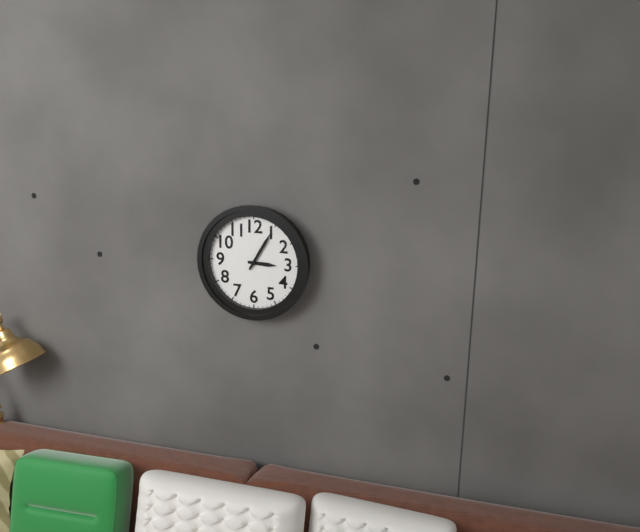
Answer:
3:05
